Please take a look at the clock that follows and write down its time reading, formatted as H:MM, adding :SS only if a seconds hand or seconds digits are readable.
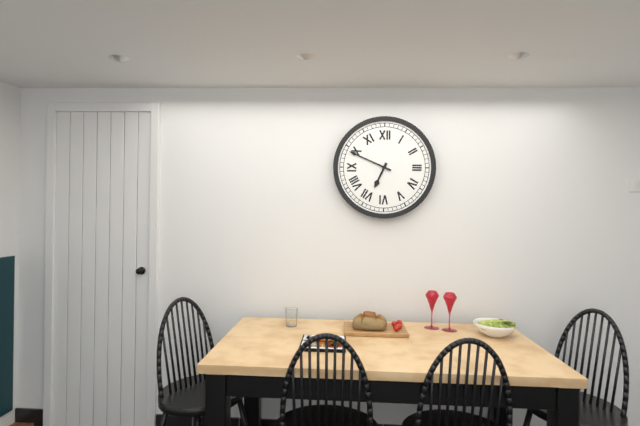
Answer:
6:49
